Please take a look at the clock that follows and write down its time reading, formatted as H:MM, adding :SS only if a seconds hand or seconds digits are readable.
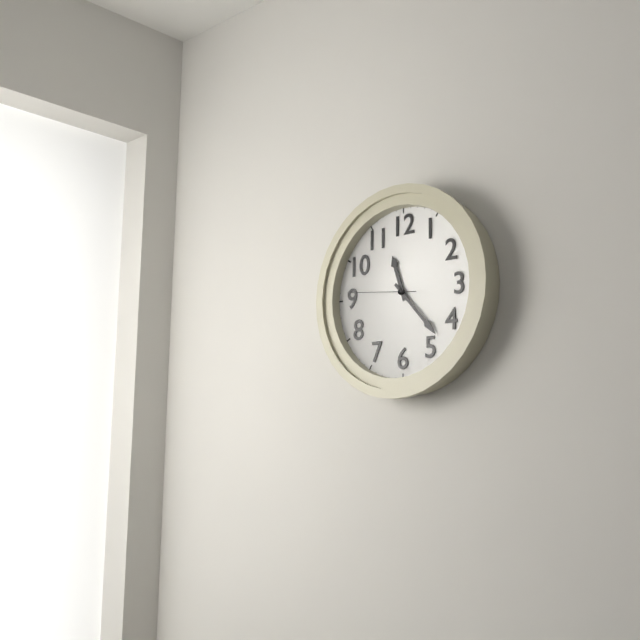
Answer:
11:23:46
